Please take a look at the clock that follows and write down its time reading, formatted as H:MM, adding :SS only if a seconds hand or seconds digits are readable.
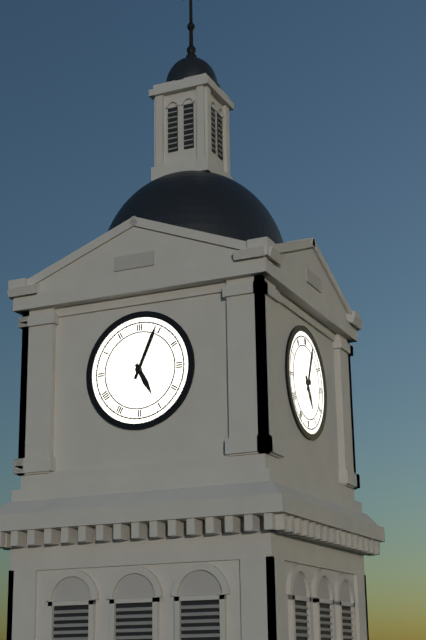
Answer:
5:04
